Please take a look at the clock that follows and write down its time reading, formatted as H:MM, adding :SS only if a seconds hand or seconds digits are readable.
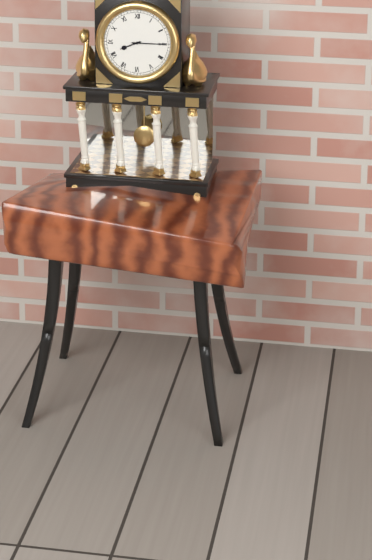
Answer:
8:15
